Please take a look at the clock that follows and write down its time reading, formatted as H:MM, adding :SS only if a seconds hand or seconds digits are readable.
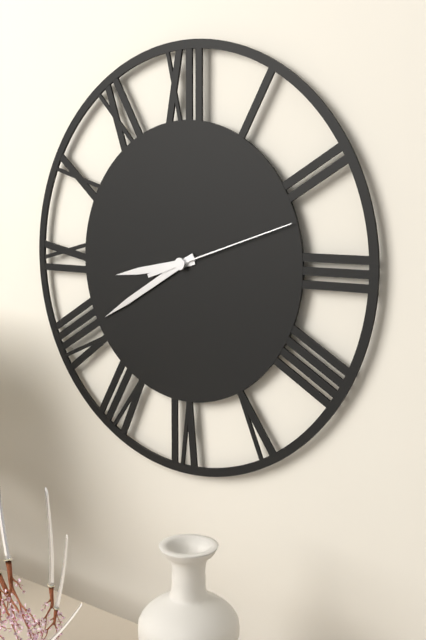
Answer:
8:40:12
